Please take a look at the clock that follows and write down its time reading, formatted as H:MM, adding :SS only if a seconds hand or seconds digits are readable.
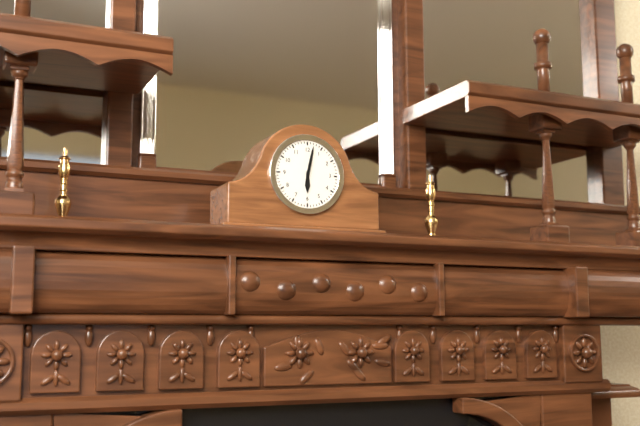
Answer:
6:02
